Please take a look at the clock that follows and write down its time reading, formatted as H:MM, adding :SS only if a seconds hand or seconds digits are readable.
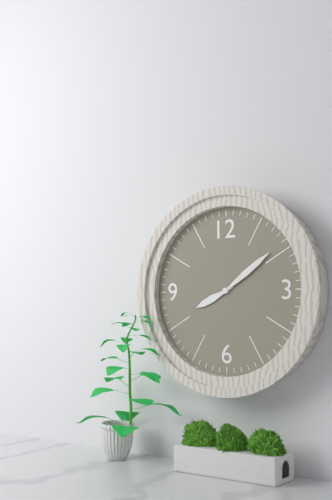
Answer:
8:09
